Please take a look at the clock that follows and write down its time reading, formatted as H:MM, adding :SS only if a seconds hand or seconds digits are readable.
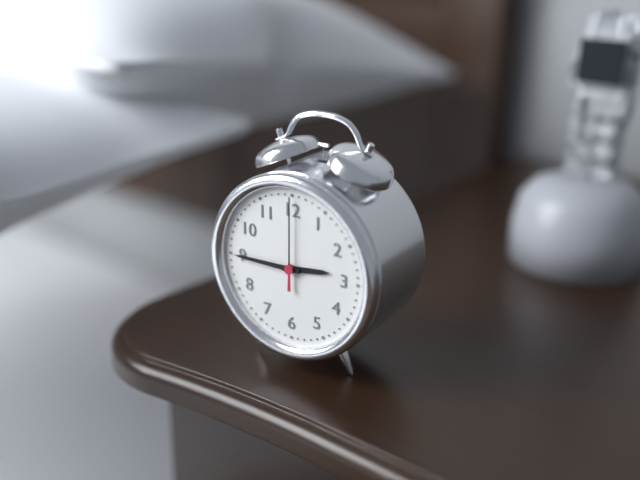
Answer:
2:45:00
